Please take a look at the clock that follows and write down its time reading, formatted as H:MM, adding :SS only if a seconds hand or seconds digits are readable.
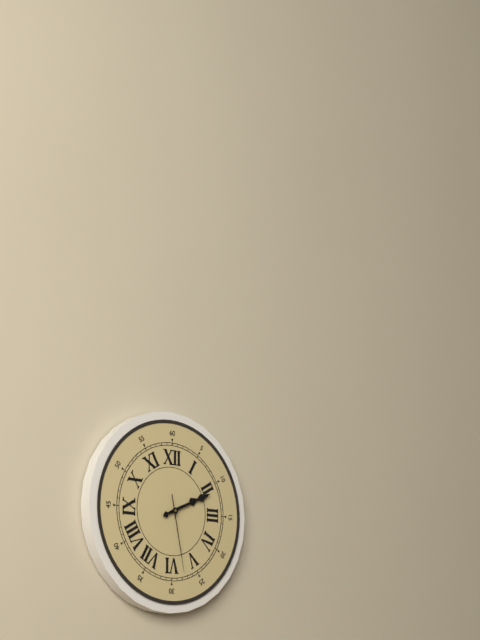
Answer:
2:11:28
